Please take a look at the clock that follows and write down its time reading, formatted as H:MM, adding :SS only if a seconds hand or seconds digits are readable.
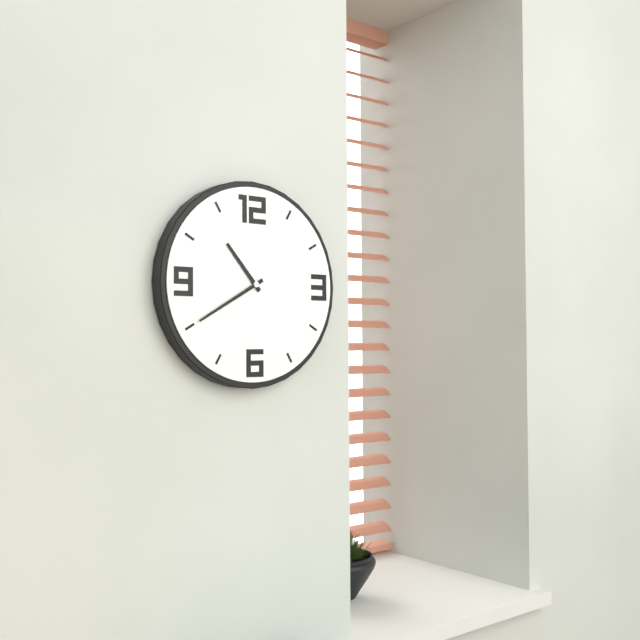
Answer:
10:40
